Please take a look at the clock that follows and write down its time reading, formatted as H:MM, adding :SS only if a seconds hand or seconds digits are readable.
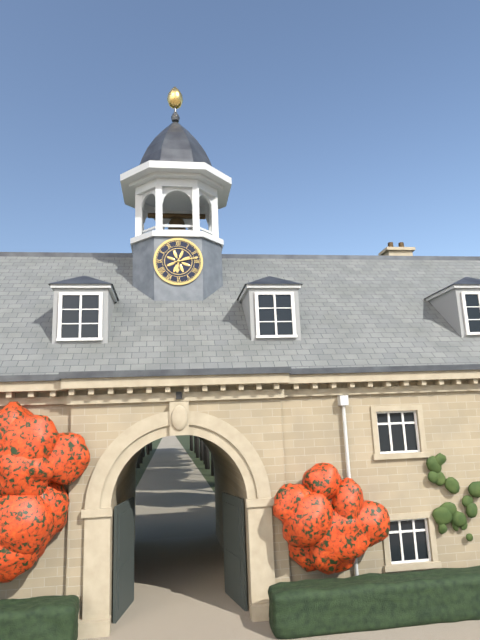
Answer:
6:13
